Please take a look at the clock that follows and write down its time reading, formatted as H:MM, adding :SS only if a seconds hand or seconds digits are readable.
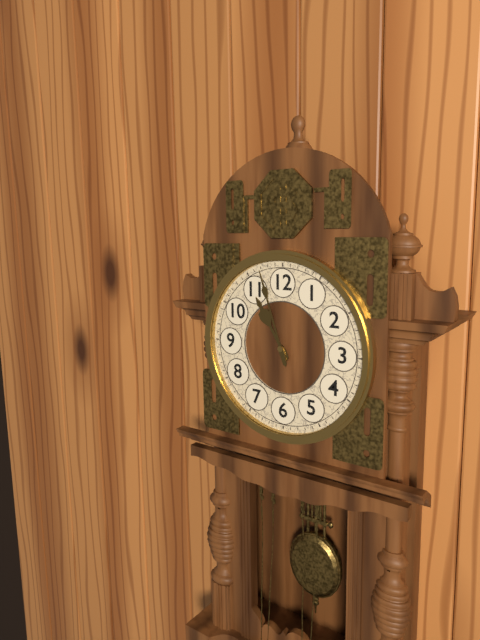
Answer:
10:57
